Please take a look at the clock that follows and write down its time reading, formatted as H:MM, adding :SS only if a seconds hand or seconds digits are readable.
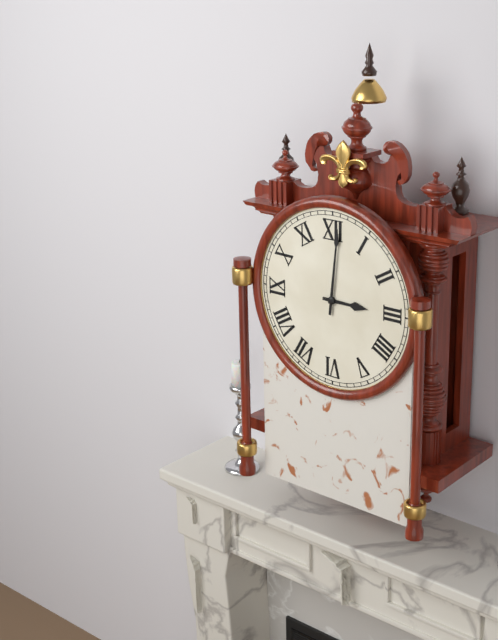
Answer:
3:01
